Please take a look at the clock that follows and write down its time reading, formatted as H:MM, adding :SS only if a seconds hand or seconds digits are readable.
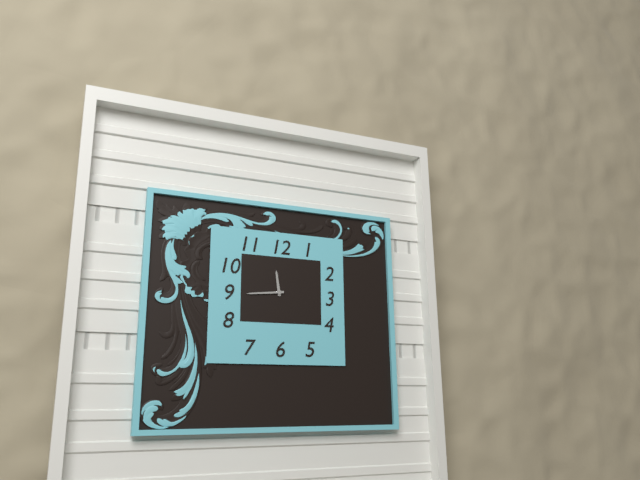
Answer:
11:44
